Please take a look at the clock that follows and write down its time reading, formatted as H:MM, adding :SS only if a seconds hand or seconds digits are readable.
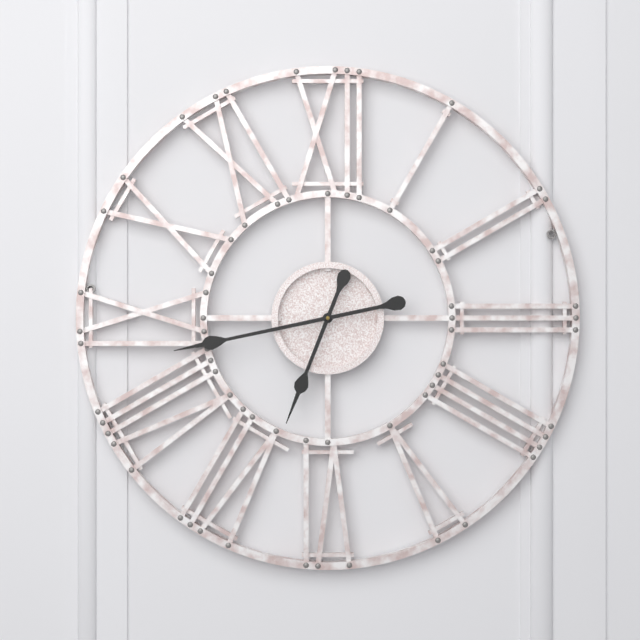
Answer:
6:43
